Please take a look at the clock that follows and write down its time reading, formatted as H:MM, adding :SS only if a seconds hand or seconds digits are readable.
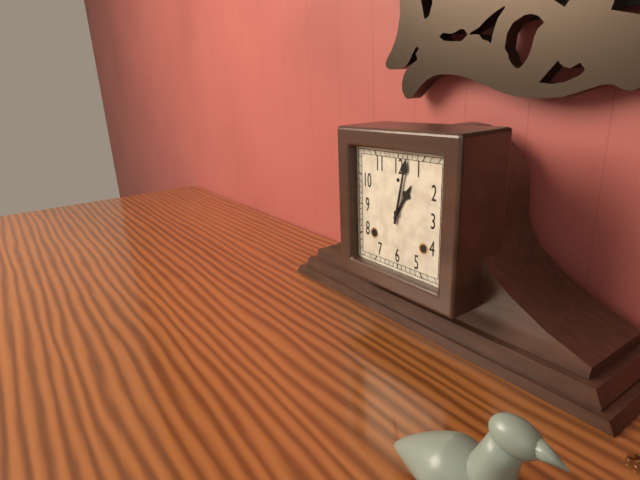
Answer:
1:02
